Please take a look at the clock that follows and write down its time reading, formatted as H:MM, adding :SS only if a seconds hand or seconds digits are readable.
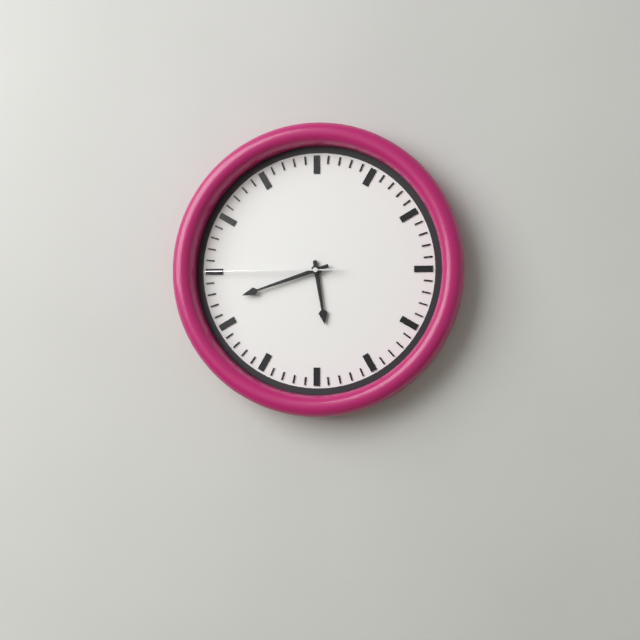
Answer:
5:42:45
